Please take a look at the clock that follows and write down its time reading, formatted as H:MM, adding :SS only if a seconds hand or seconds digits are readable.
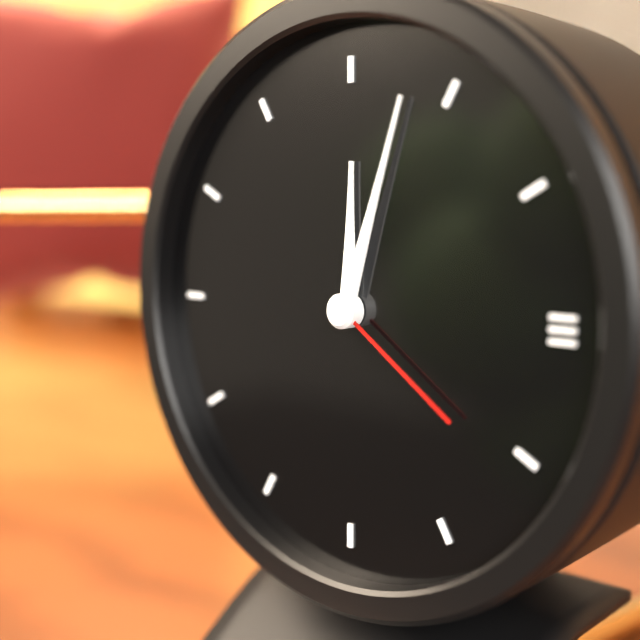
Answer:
12:03:21
